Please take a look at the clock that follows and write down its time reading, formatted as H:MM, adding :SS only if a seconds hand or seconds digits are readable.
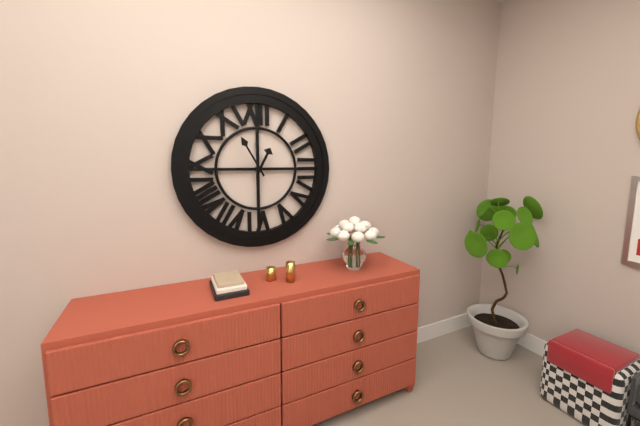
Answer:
12:55
